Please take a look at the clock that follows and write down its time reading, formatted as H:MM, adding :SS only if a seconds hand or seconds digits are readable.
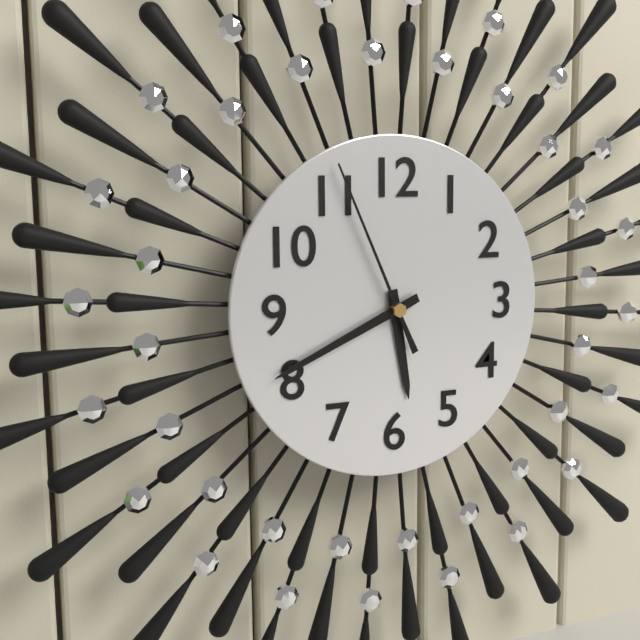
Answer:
5:41:56
